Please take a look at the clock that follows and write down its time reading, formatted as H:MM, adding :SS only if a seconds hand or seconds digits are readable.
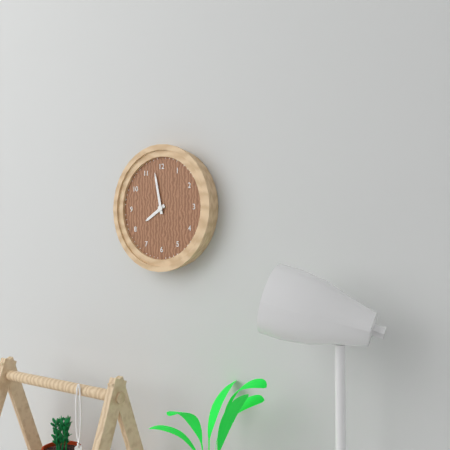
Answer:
7:58
